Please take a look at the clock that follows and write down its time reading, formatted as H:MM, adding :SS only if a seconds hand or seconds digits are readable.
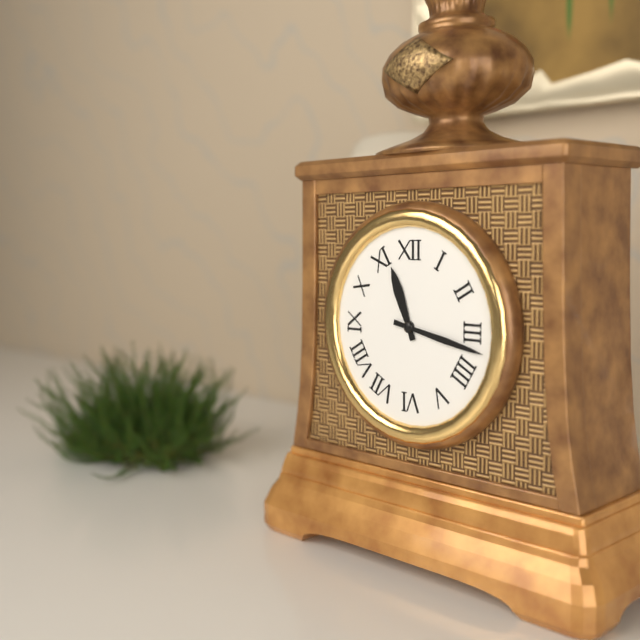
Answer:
11:17
